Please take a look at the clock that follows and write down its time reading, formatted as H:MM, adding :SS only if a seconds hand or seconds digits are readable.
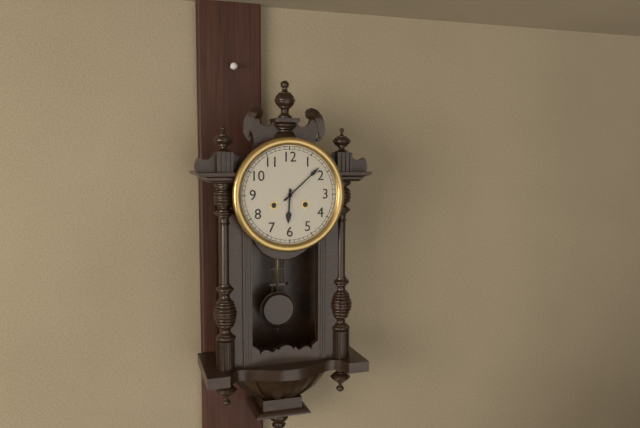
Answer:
6:08
